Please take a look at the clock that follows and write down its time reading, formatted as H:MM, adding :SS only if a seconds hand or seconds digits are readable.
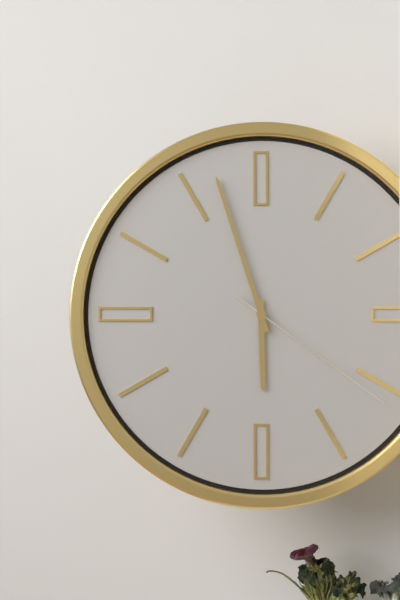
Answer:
5:57:21
